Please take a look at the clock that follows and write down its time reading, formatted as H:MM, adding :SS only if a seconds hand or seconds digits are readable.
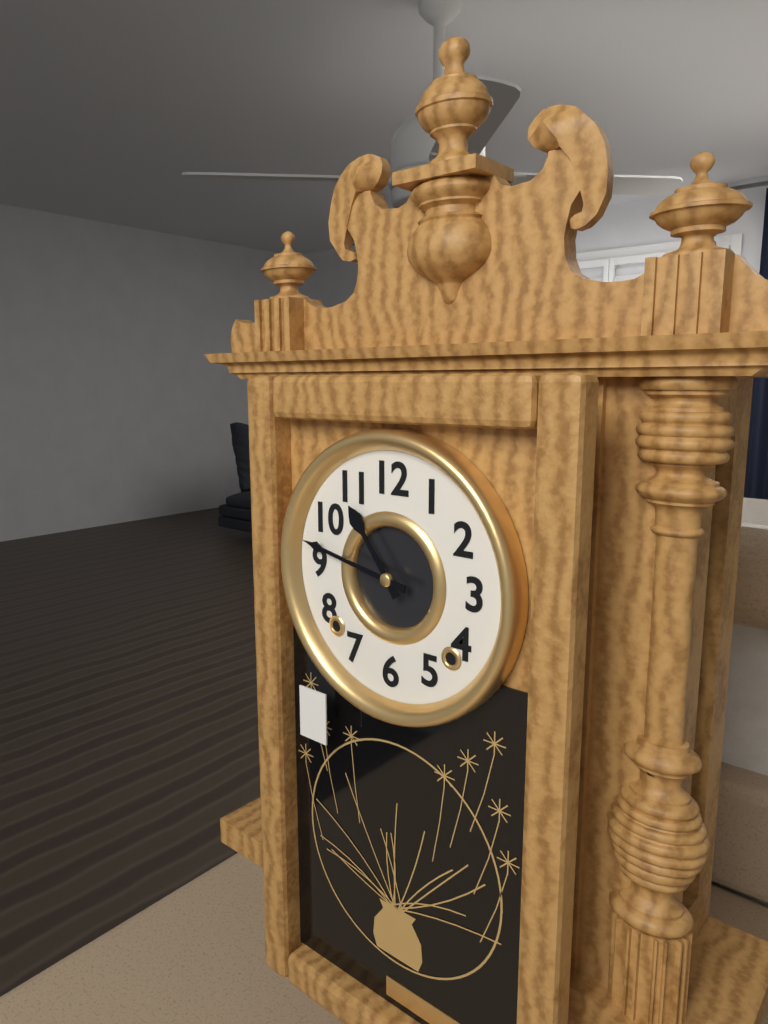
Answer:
10:47
